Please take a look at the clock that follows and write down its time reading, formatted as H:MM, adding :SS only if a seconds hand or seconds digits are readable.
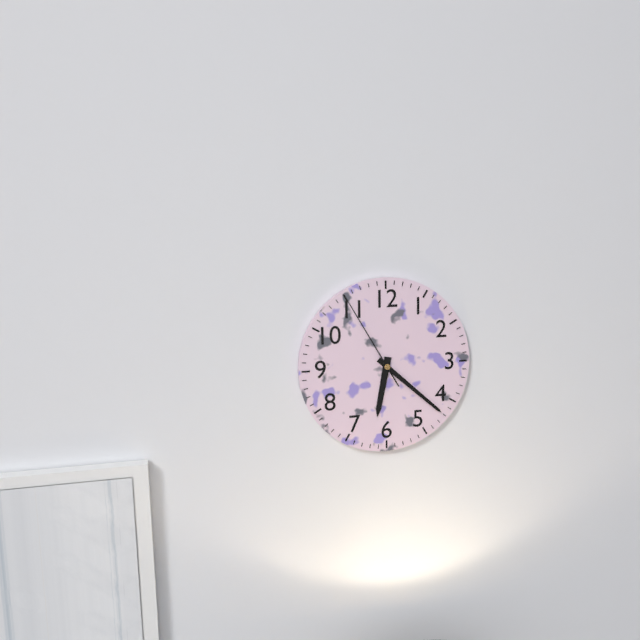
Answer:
6:22:55
